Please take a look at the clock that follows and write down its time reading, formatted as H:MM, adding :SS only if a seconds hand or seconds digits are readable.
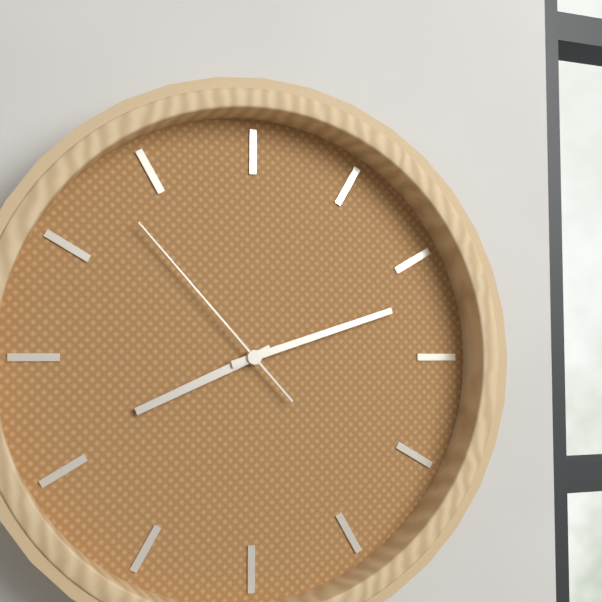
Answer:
8:12:53
